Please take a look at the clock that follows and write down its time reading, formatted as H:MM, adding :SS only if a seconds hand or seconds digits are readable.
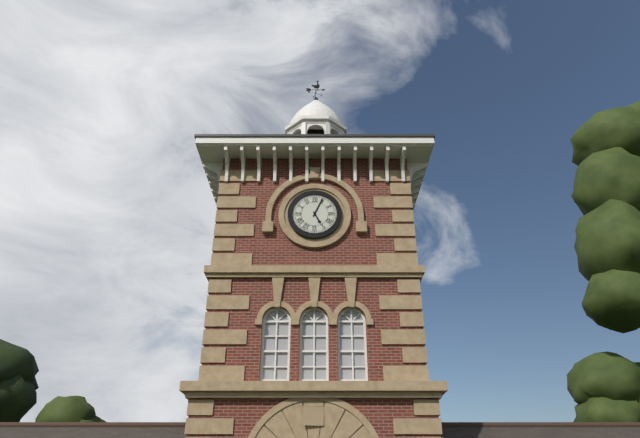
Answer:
5:04
